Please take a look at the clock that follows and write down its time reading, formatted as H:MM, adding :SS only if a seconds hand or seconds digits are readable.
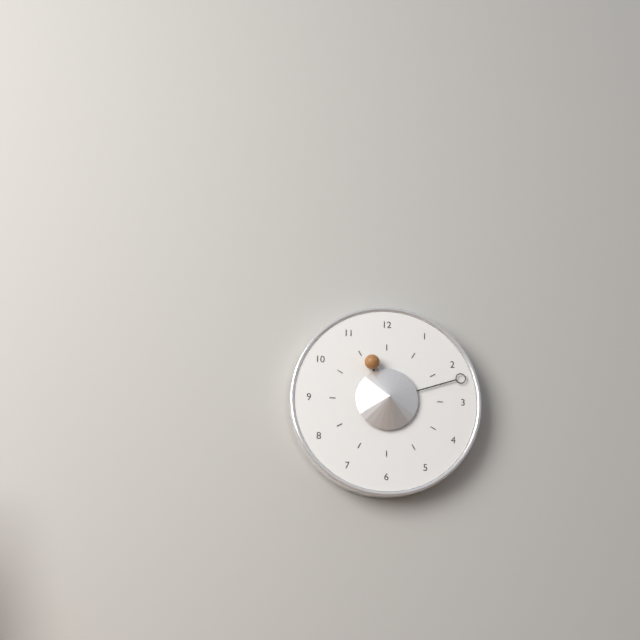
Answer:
11:12
